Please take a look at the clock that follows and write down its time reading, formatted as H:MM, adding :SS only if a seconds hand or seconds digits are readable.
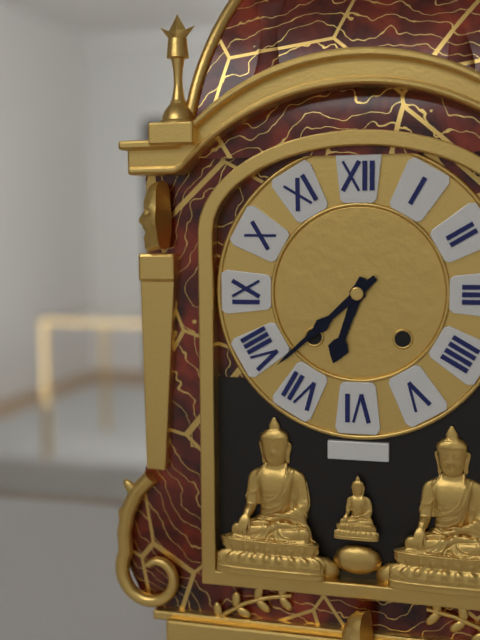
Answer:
6:38
